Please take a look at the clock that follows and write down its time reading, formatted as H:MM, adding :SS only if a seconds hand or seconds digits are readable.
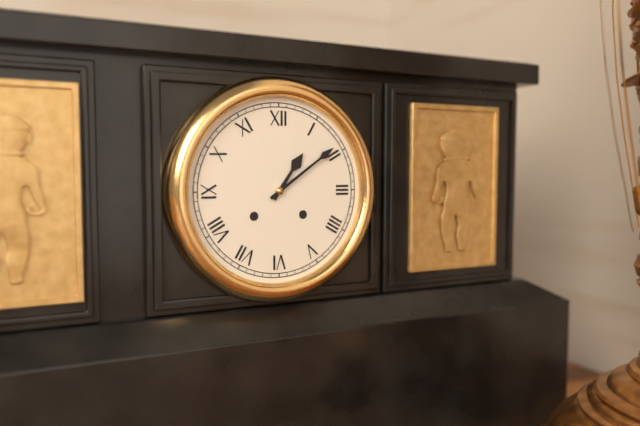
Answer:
1:09
